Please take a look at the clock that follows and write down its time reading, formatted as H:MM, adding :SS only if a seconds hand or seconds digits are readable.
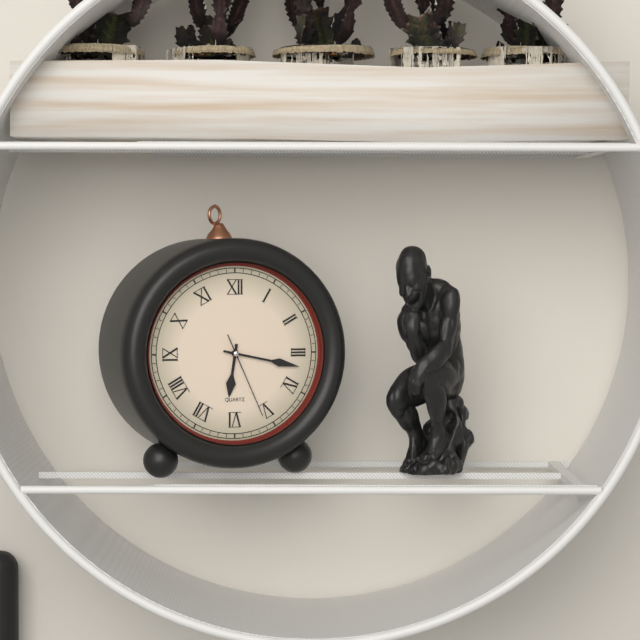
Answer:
6:17:26
